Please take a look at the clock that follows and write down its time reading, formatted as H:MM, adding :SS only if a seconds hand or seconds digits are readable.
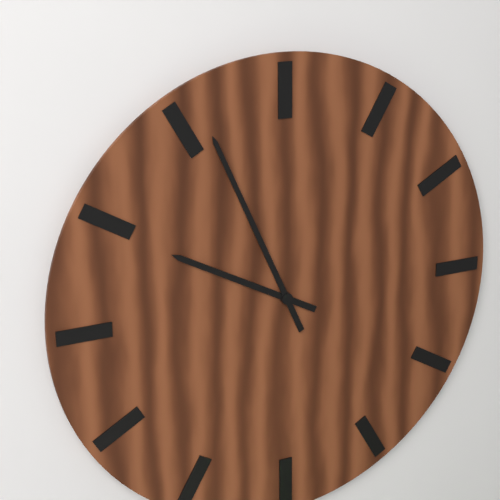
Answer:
9:56
